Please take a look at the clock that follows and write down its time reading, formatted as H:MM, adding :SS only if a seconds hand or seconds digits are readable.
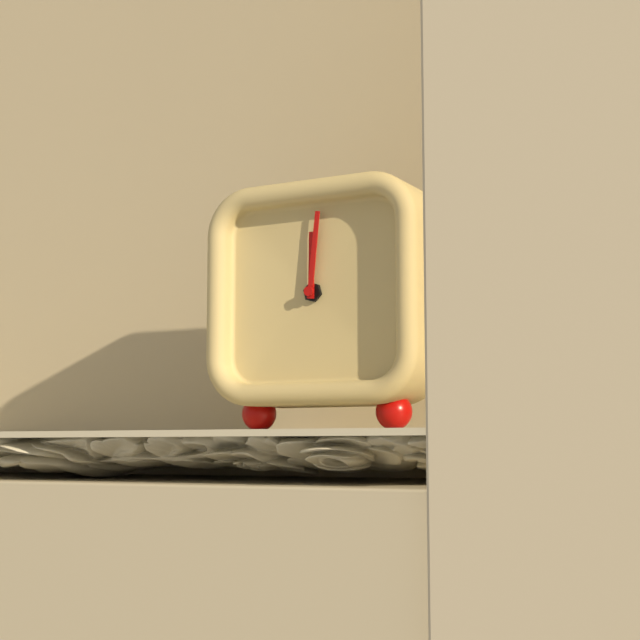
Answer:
12:01
